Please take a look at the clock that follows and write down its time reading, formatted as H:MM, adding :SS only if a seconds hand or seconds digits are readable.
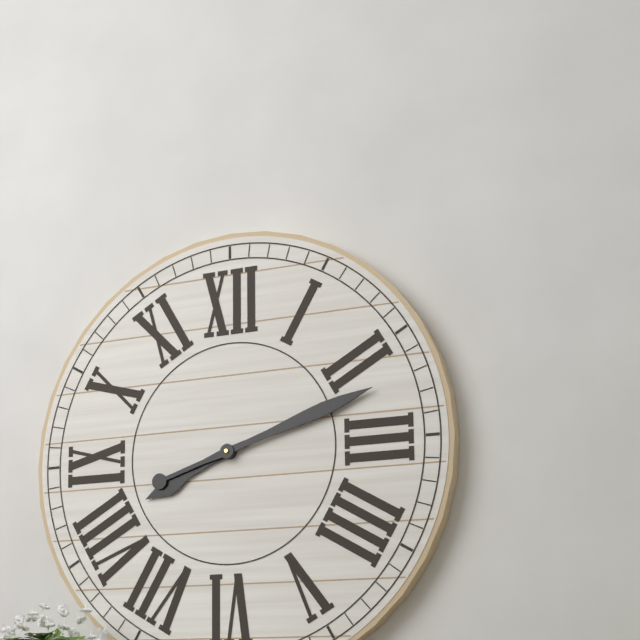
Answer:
8:12
